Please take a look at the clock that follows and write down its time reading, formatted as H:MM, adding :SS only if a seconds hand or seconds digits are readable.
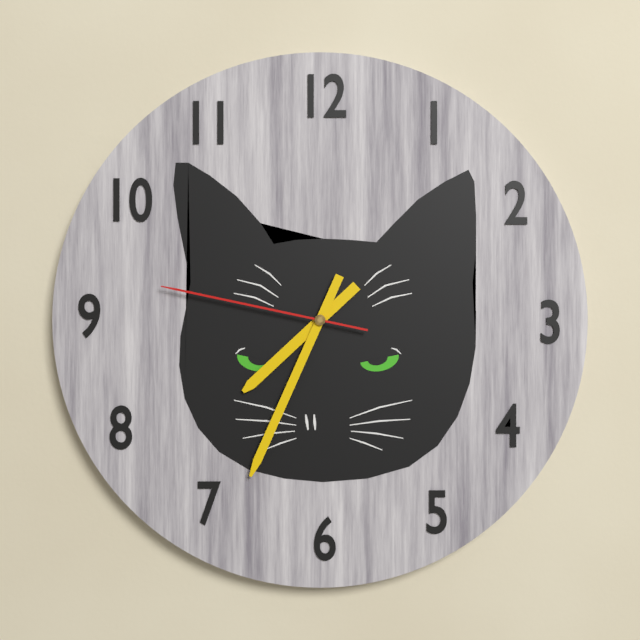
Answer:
7:34:47
